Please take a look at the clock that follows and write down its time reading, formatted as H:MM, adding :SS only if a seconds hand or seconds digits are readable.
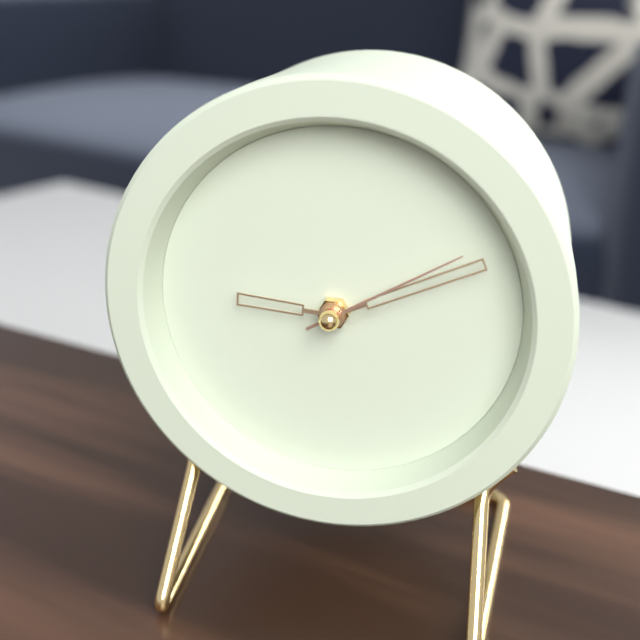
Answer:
9:11:10
